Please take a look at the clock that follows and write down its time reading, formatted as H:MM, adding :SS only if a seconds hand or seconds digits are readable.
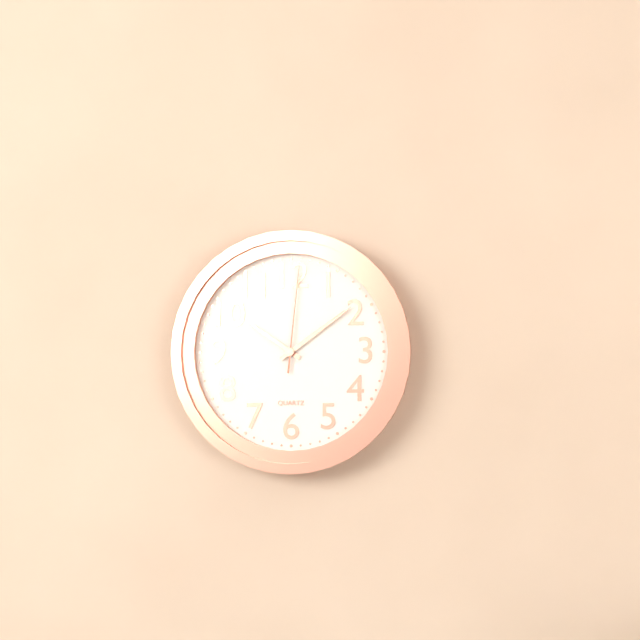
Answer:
10:09:01
